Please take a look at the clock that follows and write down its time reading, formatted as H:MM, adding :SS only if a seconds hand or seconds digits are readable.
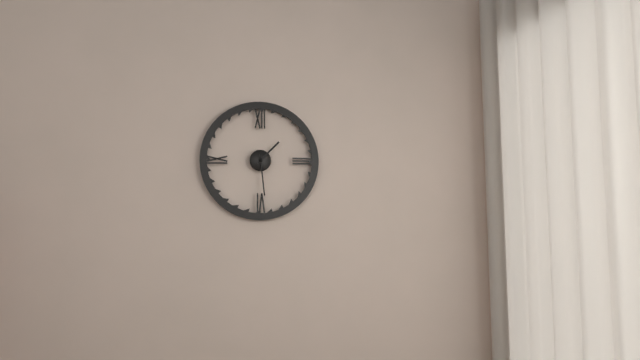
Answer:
1:29
